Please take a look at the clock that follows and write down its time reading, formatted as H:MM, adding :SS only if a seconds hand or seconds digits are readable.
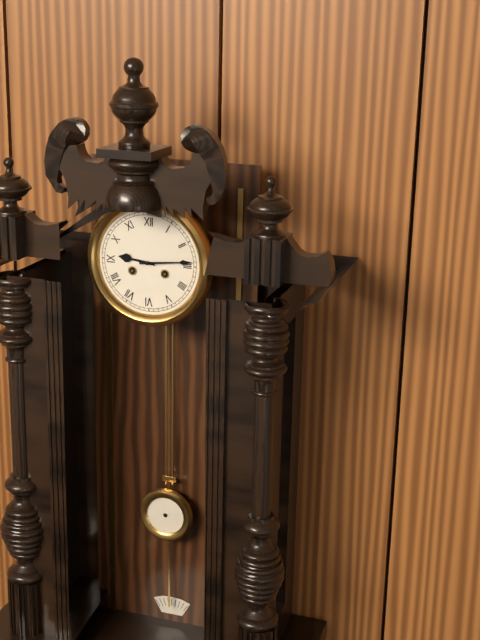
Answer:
9:14
